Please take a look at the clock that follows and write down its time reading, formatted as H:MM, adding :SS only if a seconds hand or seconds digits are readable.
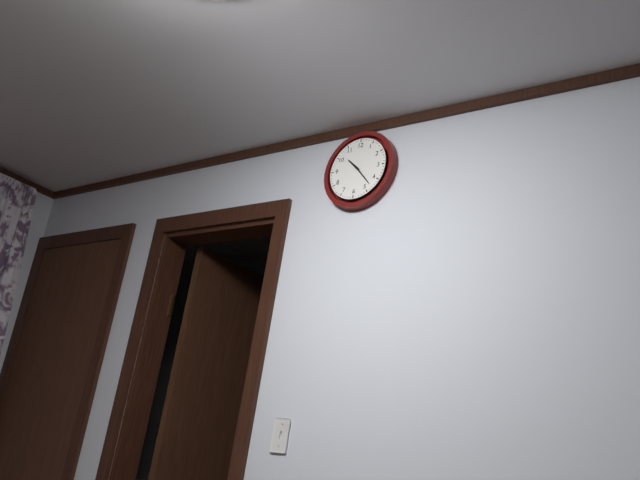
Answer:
10:23
